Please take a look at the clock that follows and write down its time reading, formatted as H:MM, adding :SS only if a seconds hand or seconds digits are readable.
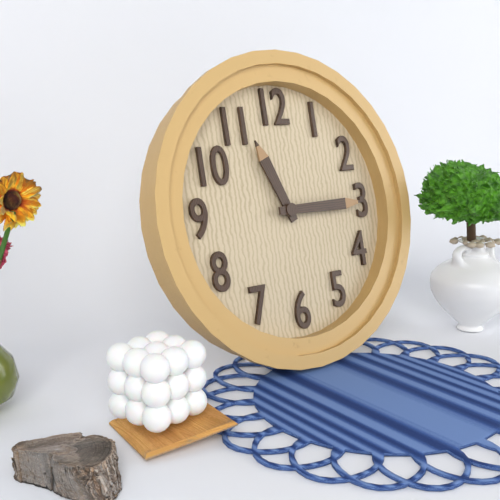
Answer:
11:15
